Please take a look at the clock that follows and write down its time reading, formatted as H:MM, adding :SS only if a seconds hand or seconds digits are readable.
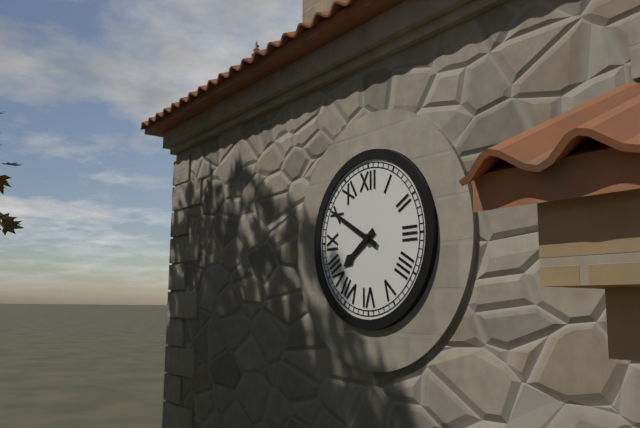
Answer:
7:50
